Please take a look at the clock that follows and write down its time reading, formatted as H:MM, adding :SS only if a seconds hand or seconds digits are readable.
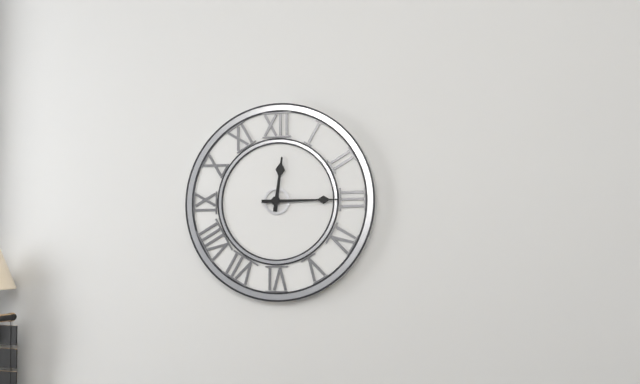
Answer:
12:15
